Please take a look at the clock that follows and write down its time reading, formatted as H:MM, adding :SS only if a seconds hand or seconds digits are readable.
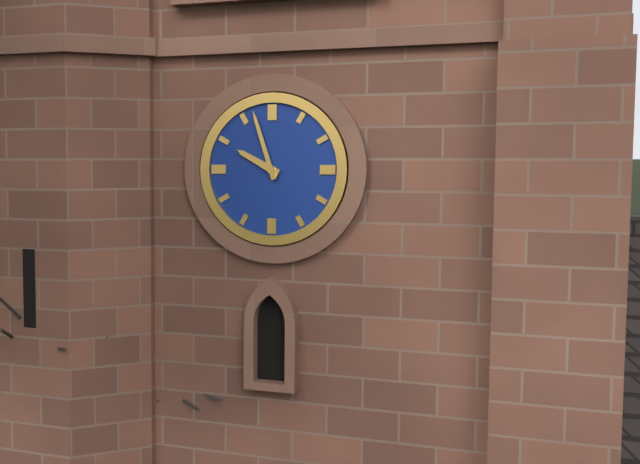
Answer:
9:57
